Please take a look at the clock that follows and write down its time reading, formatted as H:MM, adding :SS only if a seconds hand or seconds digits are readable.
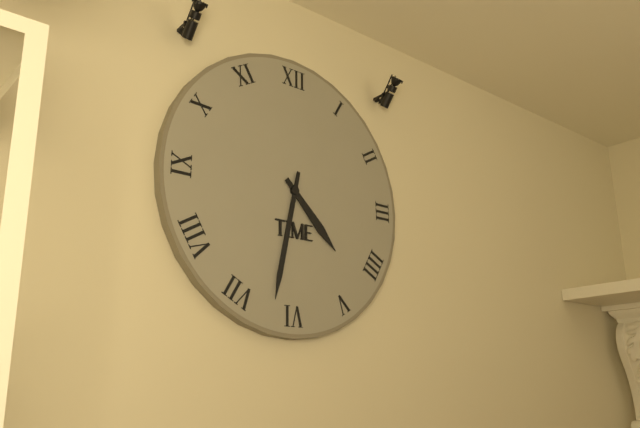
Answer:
4:32
